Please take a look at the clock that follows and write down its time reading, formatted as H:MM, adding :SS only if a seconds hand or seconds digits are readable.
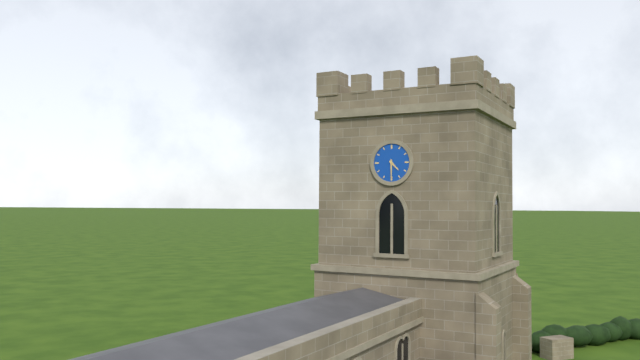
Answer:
4:30
